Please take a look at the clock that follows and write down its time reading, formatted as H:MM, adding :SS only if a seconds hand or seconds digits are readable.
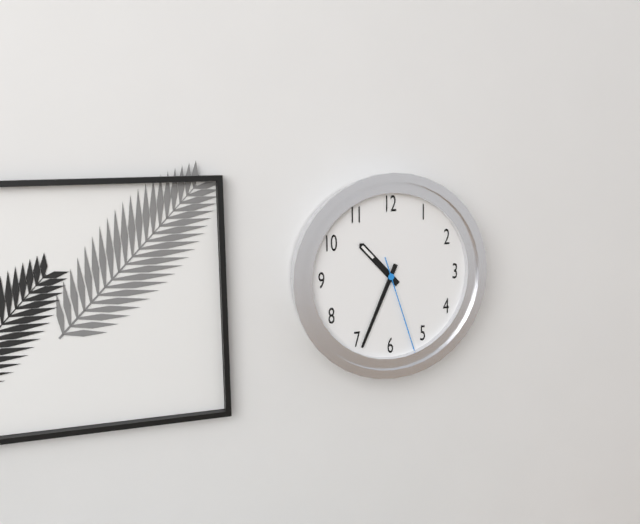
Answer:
10:34:27
